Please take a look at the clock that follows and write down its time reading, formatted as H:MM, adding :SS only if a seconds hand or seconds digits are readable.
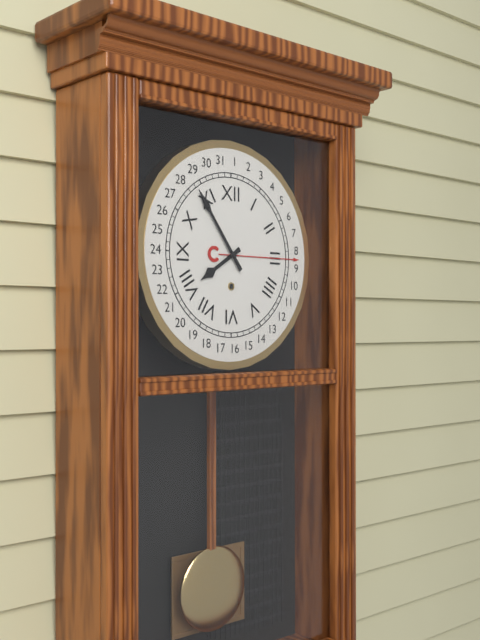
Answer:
7:54
